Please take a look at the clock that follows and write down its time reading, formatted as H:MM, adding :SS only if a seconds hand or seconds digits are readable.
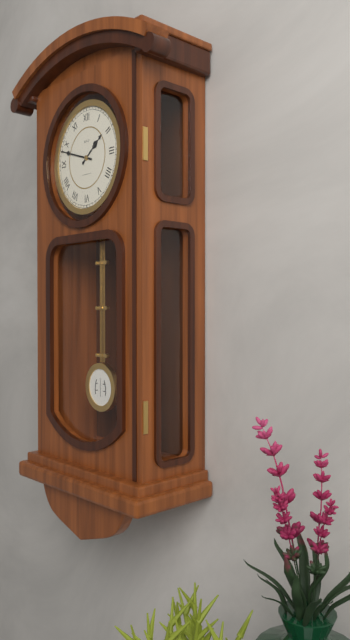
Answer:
1:48
